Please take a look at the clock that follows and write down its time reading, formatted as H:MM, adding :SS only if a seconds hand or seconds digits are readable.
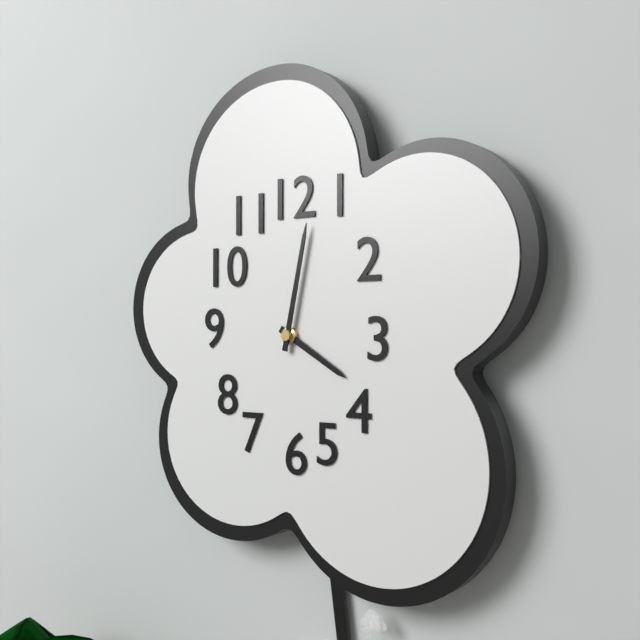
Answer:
4:02
